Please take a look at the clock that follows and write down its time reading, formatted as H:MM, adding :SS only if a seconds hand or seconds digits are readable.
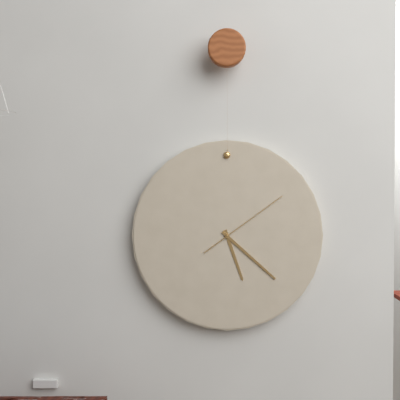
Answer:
5:22:09
